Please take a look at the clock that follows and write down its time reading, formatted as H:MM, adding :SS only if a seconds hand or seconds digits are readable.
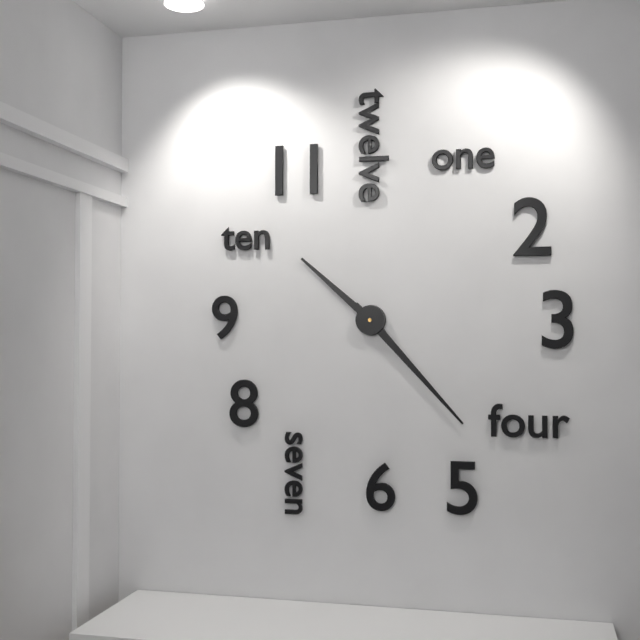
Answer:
10:23
